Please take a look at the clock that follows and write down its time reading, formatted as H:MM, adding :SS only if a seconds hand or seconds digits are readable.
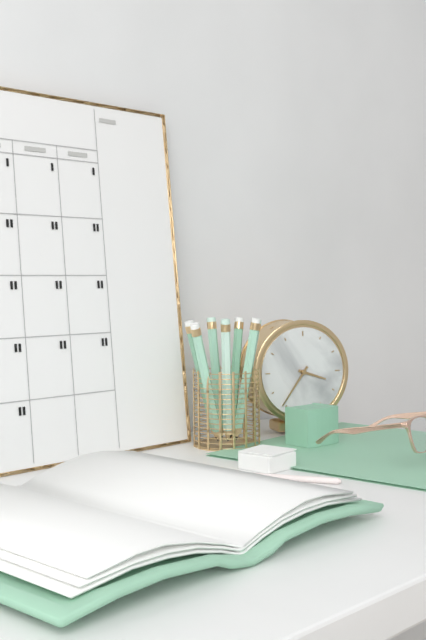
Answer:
3:36
